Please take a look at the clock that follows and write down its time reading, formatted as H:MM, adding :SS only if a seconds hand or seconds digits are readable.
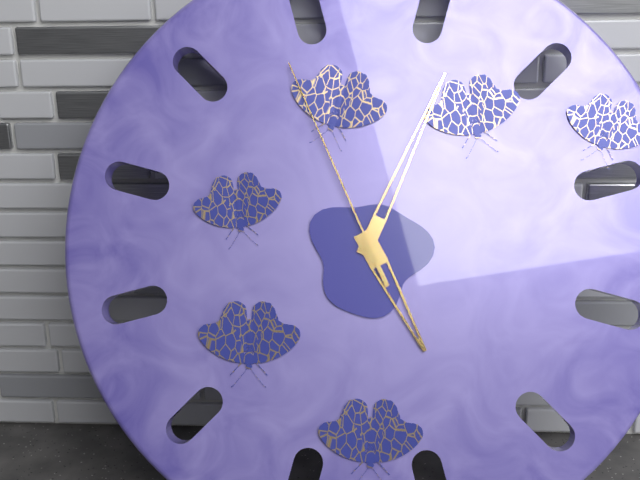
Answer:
5:04:56
